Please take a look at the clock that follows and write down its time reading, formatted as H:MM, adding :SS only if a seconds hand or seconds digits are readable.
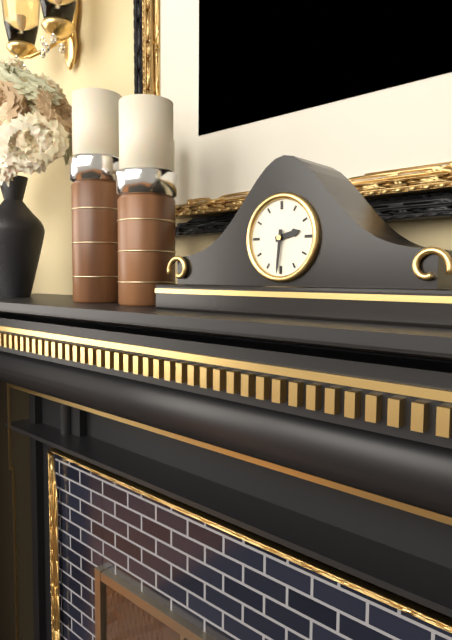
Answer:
2:31
